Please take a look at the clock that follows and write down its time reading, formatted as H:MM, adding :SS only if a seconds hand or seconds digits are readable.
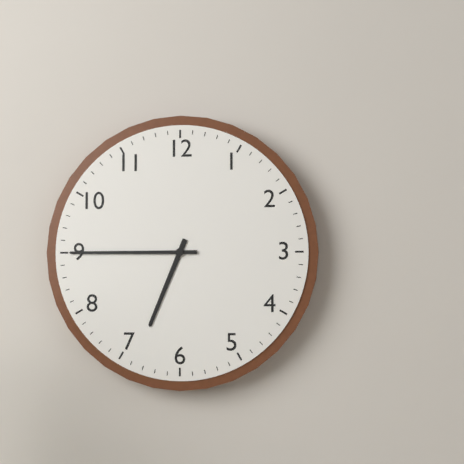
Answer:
6:45
